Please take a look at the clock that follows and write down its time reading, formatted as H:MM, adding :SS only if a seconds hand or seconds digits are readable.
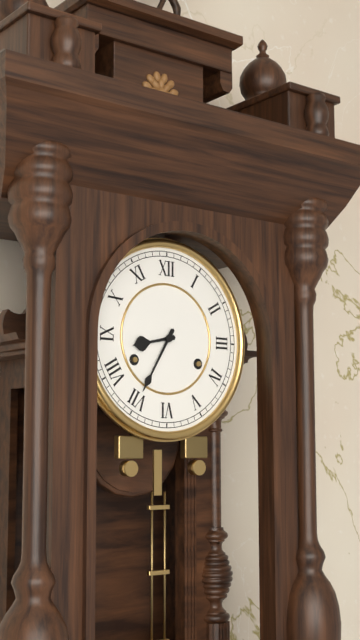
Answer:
8:35
